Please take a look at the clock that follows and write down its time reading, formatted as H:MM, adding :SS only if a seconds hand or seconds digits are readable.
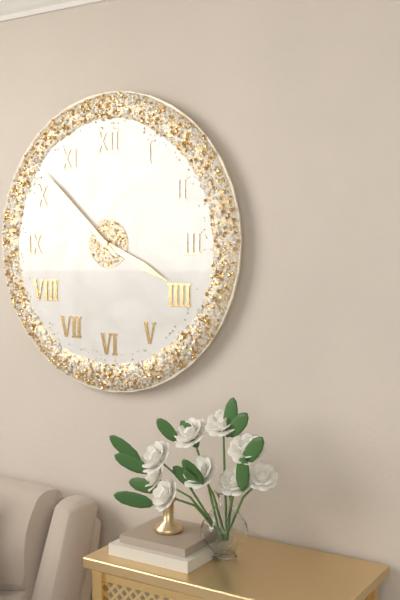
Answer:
3:52
